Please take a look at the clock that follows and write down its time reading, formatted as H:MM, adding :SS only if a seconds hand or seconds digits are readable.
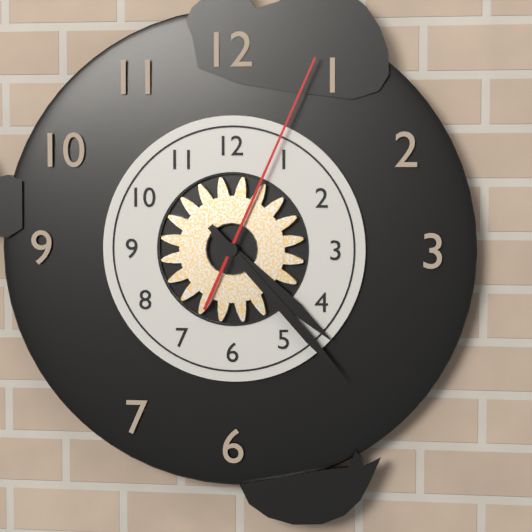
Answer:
4:23:04
